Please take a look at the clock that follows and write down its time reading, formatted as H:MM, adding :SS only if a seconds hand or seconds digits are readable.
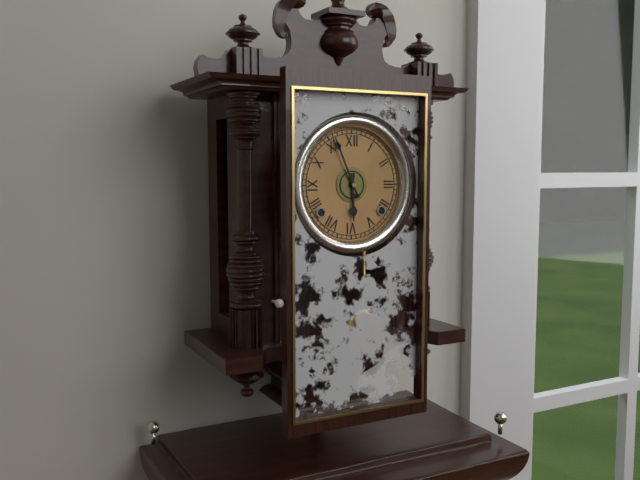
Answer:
5:56
